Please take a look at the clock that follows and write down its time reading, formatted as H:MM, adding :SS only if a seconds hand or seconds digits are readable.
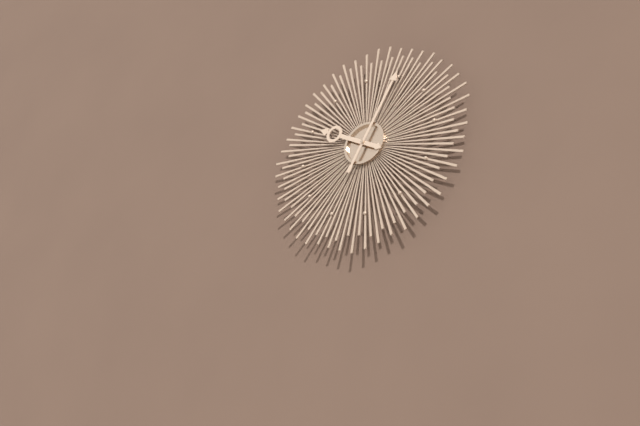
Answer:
10:05
